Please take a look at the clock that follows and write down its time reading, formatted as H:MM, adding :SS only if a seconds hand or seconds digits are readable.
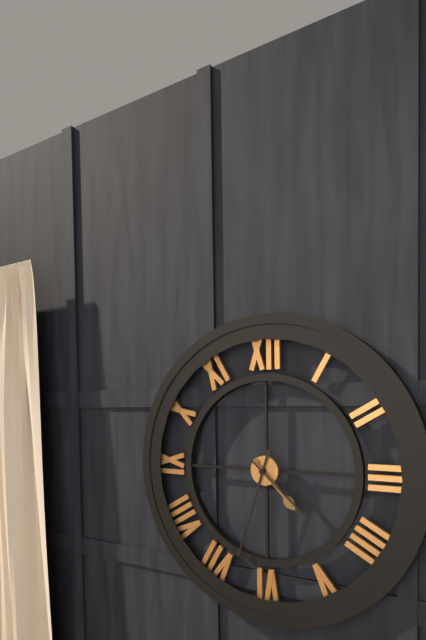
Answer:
4:33:22
